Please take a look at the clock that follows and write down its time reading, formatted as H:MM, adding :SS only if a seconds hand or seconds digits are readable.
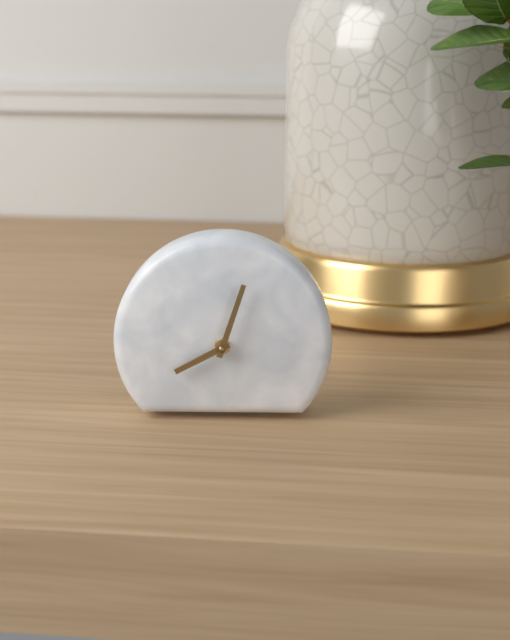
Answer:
8:03
